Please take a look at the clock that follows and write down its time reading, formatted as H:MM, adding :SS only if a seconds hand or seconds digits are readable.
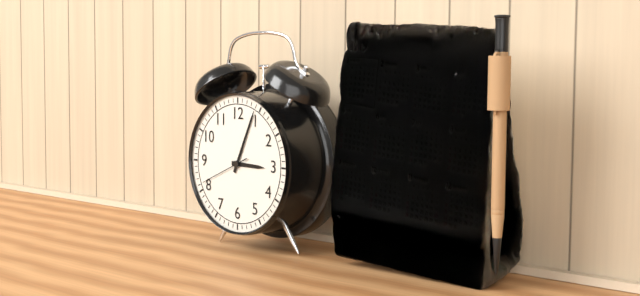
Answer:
3:04
